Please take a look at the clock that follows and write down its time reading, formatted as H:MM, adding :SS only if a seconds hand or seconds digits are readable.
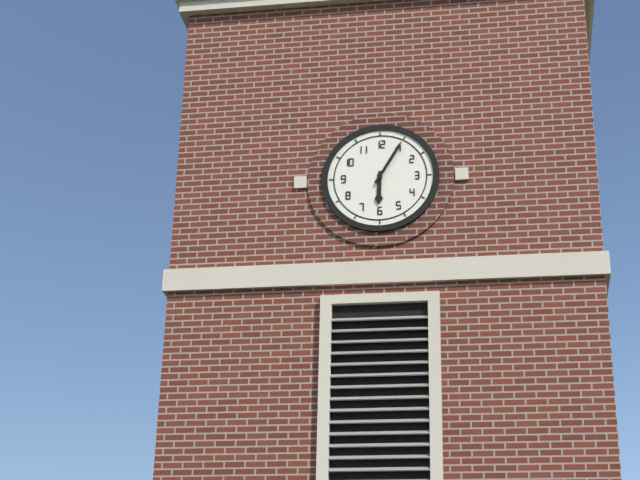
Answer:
6:05
